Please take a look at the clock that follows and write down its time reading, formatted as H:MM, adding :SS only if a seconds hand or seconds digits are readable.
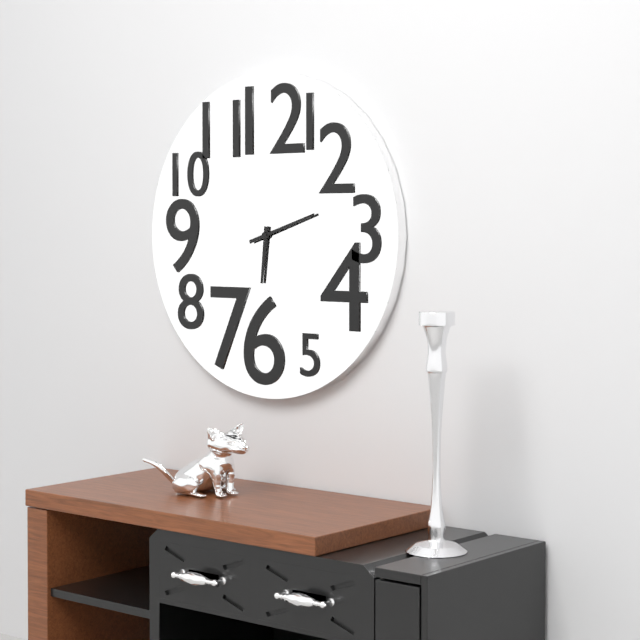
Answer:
6:12
